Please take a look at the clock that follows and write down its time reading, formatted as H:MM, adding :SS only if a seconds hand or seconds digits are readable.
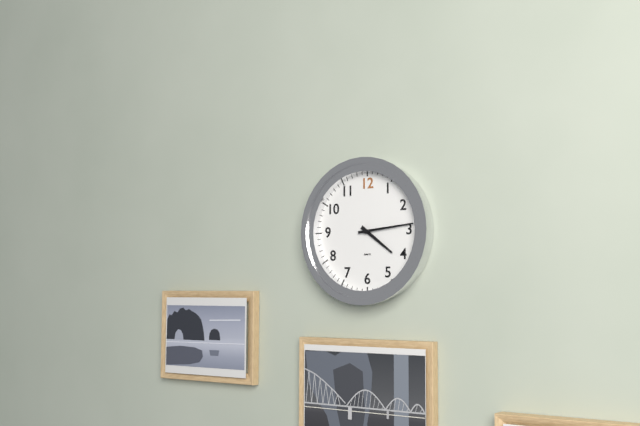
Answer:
4:14
